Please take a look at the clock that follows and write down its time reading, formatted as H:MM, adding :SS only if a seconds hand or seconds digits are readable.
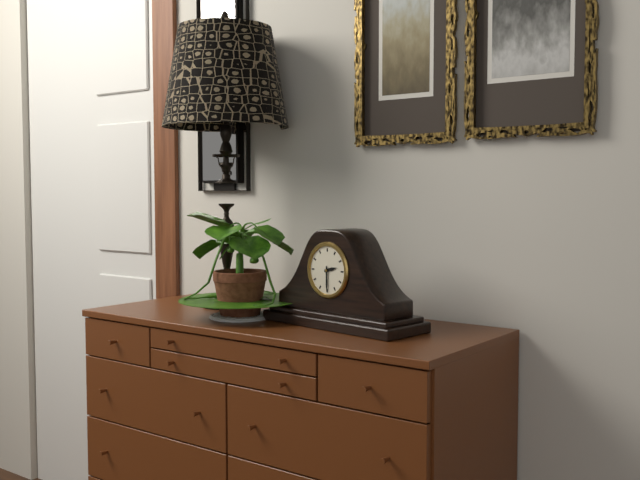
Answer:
2:30
